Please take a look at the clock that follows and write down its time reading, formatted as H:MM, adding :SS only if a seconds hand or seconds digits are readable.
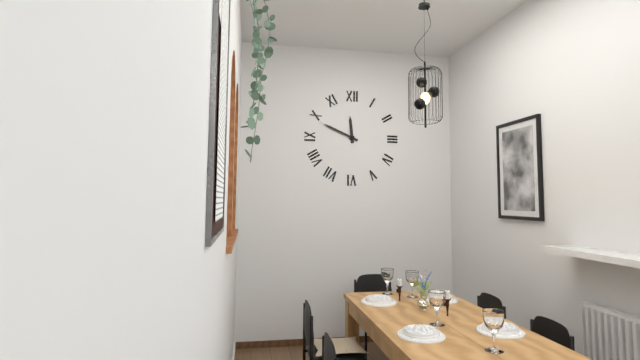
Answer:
11:49
